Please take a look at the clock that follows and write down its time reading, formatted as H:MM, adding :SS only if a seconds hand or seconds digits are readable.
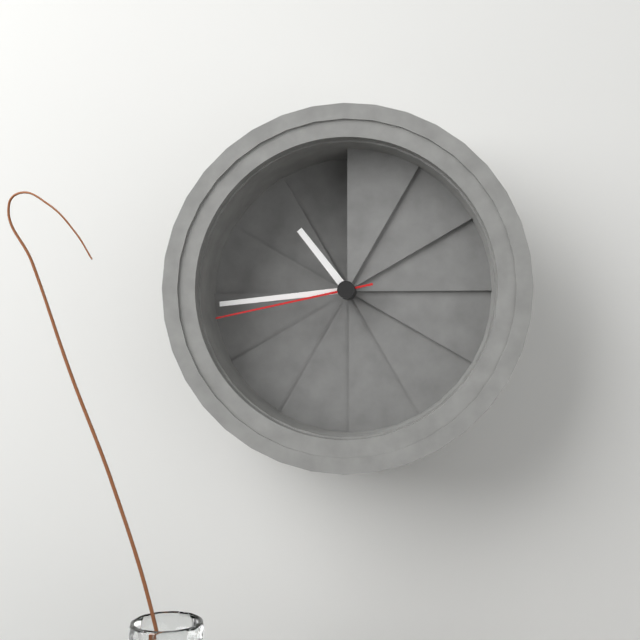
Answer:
10:44:43
